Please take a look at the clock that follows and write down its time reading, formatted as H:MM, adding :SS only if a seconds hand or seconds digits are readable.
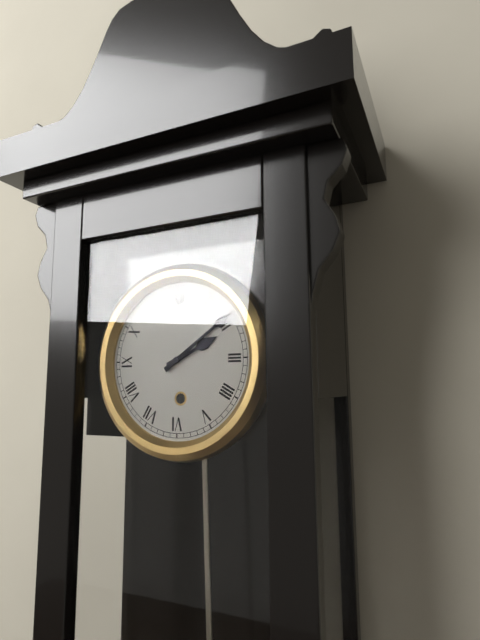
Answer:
2:09
